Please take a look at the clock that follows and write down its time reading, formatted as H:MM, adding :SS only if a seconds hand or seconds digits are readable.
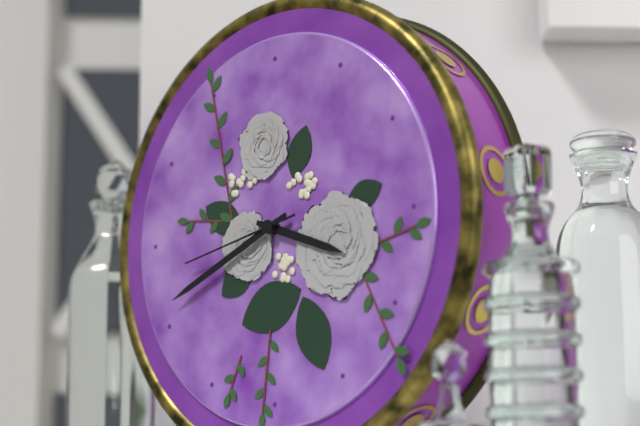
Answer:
3:41:43
